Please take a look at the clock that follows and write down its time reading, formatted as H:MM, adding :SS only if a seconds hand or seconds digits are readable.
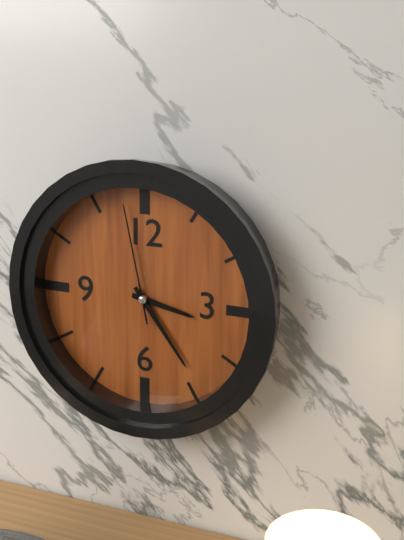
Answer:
3:24:58
